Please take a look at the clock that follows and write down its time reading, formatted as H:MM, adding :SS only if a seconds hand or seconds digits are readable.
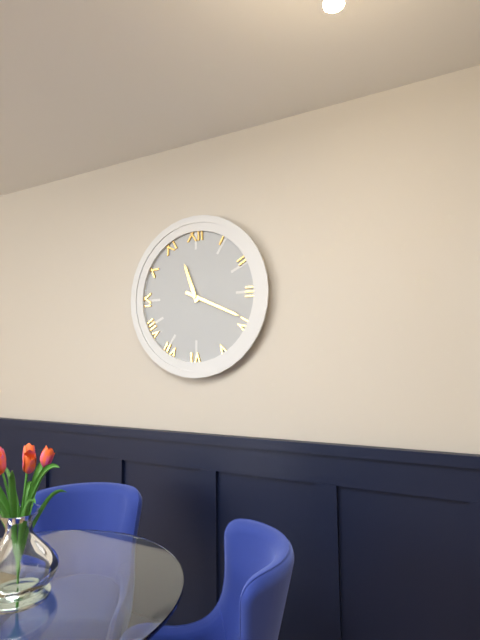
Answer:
11:19
